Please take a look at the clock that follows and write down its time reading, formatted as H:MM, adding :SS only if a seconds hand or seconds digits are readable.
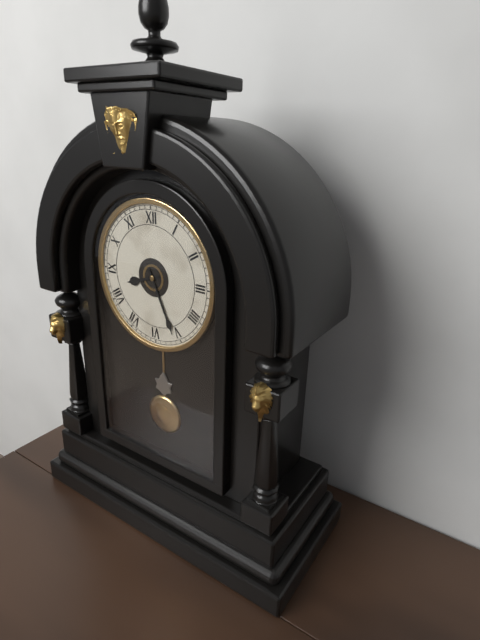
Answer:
8:26
